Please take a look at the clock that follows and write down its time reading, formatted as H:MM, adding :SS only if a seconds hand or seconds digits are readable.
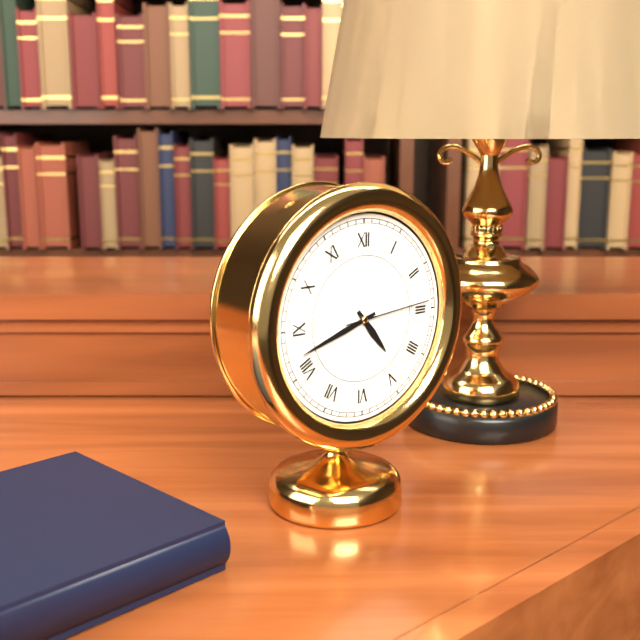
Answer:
4:42:14
